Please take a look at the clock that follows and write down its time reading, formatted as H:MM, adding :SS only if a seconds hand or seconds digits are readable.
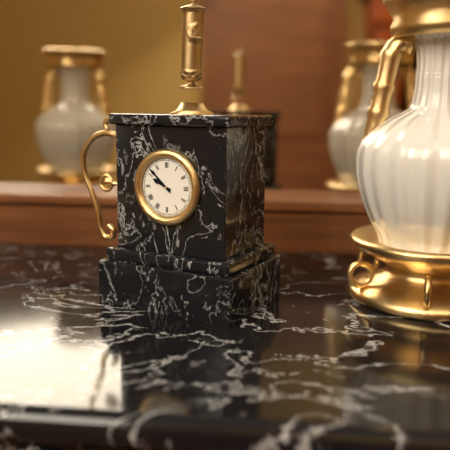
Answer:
9:52
